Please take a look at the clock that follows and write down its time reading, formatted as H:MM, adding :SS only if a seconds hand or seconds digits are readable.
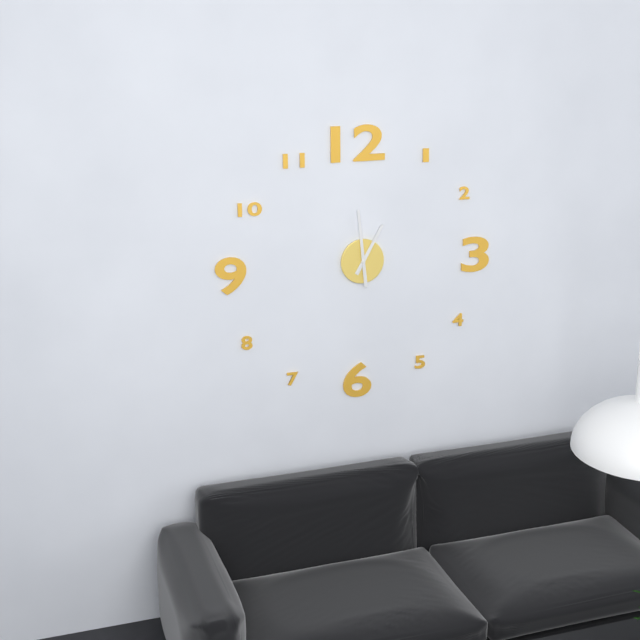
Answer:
12:59
